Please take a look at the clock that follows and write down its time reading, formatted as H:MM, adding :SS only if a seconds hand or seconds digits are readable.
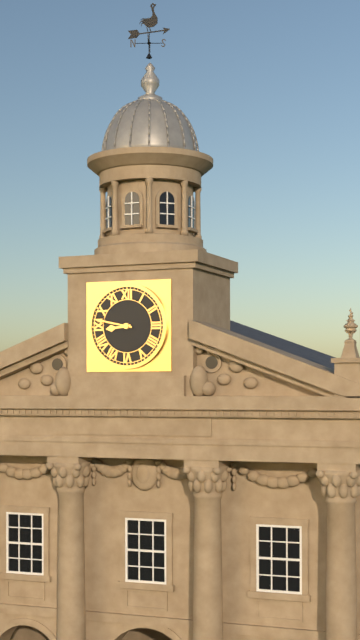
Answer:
8:47
